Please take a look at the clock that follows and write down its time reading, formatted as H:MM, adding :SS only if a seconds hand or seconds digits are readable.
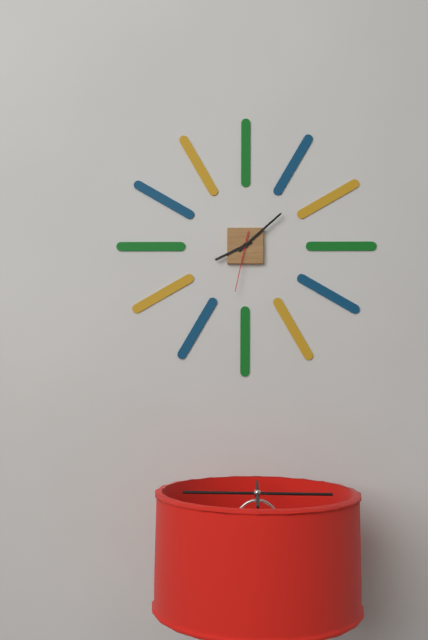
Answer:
8:08:32
